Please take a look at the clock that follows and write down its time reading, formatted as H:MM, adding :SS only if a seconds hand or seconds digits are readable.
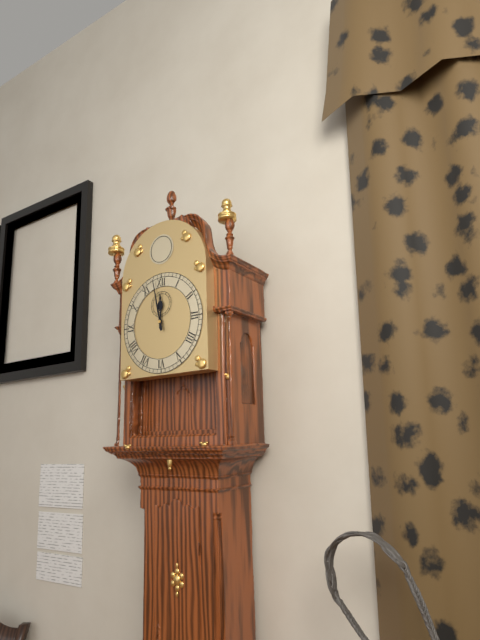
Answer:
11:58
